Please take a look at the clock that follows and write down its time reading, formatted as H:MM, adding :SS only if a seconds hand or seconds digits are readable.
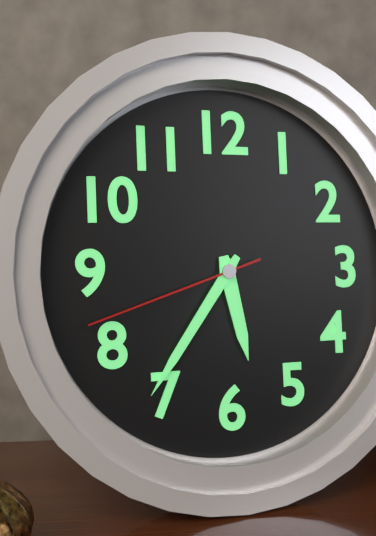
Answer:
5:36:42
